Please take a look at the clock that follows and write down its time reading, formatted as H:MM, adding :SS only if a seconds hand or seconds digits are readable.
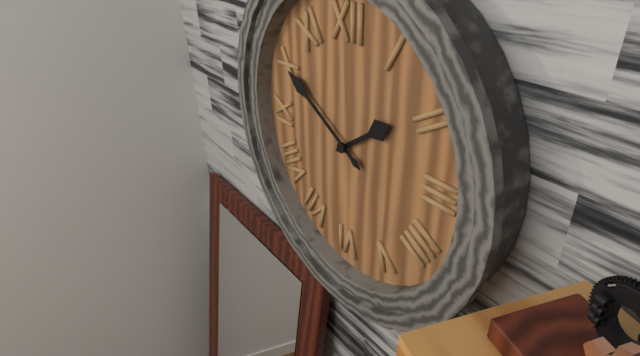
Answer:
1:50
